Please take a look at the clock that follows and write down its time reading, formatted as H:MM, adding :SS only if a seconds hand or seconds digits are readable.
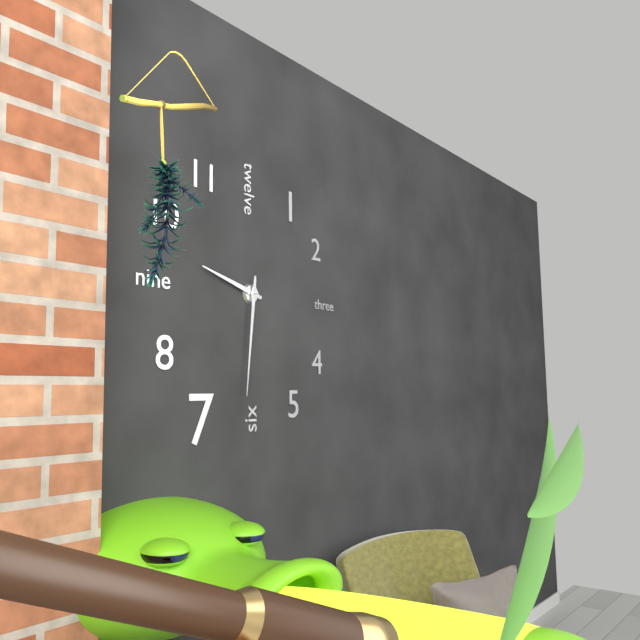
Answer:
9:31
